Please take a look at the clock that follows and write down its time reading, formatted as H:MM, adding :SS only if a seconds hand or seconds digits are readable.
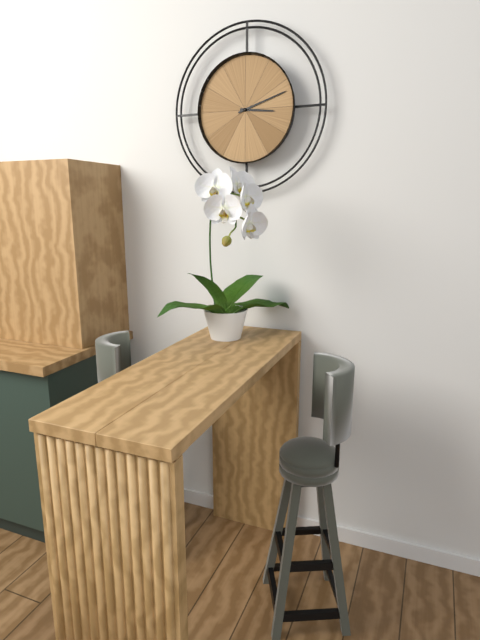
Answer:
3:12
